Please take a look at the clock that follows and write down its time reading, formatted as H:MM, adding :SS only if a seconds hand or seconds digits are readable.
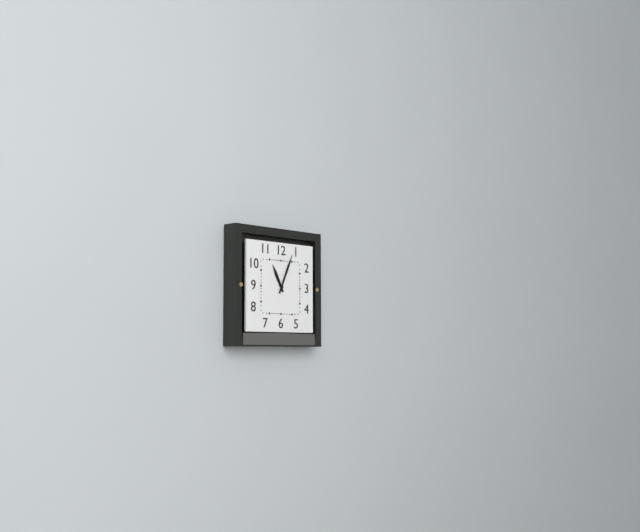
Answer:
11:04
